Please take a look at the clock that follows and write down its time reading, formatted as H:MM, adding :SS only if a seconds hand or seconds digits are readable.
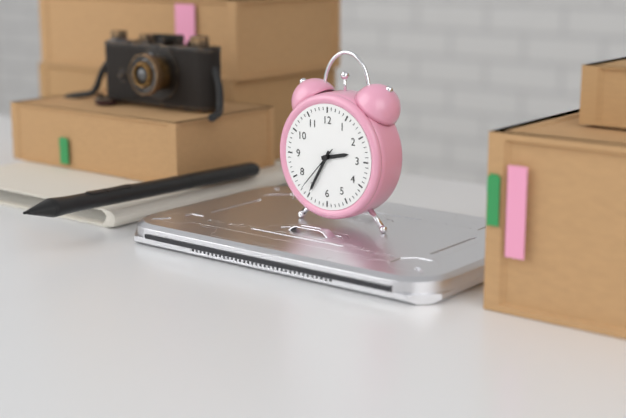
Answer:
2:35
